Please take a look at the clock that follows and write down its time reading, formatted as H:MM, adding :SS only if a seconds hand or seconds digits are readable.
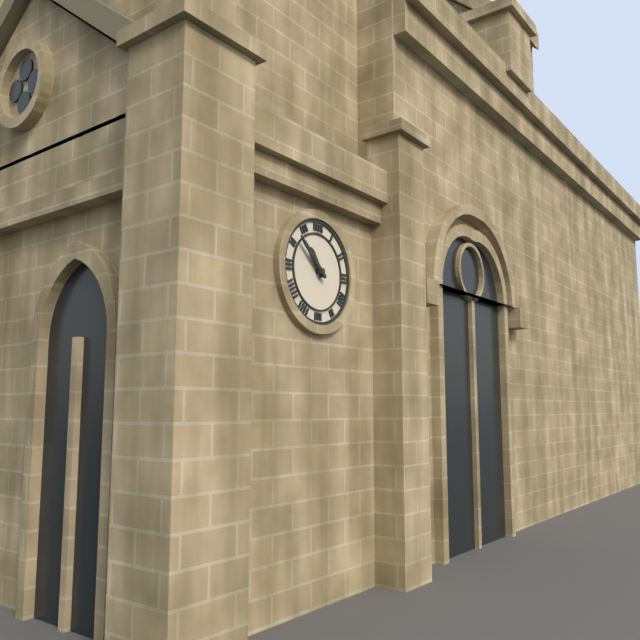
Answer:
10:52
